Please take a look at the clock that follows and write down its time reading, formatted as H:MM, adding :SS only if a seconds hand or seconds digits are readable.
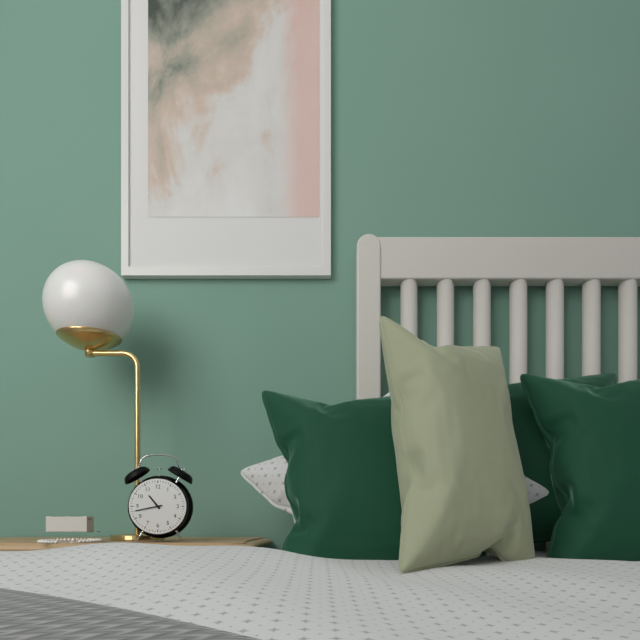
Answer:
10:43
